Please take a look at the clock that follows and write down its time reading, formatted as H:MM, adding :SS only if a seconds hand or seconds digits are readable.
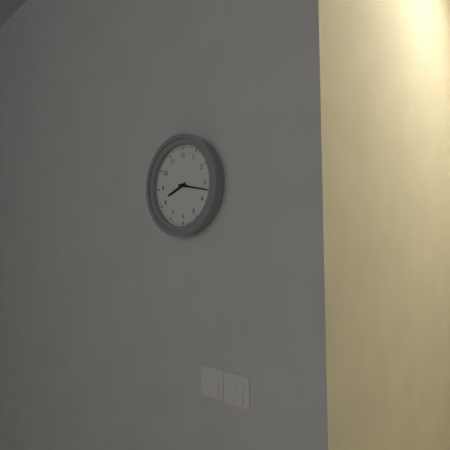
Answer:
8:17
